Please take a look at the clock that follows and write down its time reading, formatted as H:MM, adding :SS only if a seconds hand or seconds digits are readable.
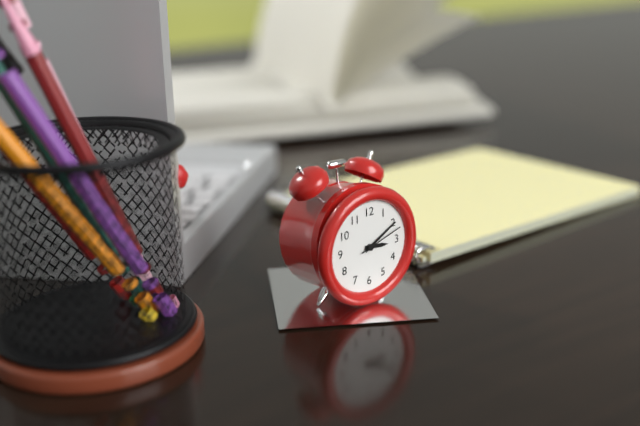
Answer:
3:10
